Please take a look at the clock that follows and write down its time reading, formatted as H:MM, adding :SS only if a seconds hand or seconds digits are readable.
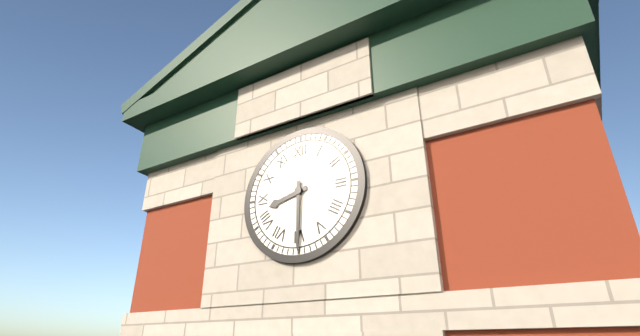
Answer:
8:30
